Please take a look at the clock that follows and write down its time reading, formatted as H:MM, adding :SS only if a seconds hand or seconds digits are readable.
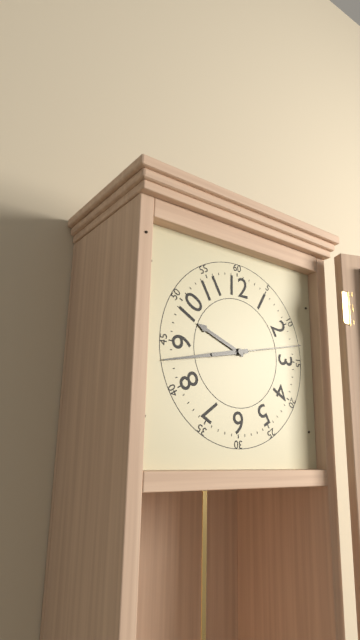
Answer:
9:43:13
